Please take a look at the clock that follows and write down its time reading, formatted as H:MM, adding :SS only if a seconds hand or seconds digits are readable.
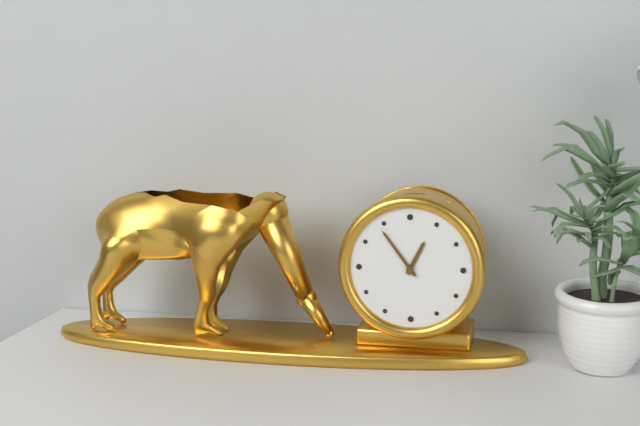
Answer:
12:54
